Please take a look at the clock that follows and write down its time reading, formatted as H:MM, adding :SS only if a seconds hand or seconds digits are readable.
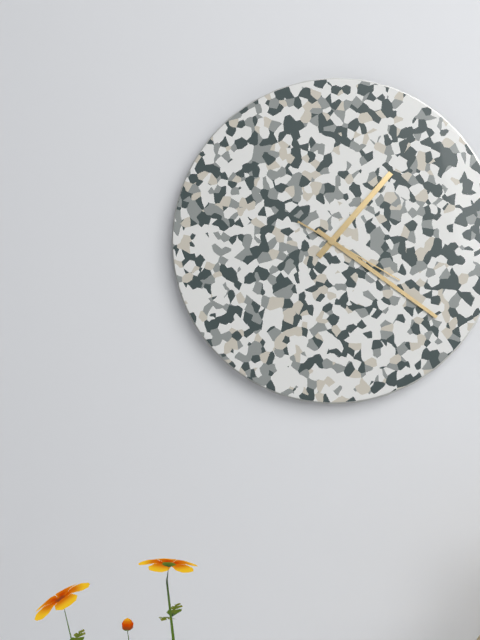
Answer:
1:21:20
